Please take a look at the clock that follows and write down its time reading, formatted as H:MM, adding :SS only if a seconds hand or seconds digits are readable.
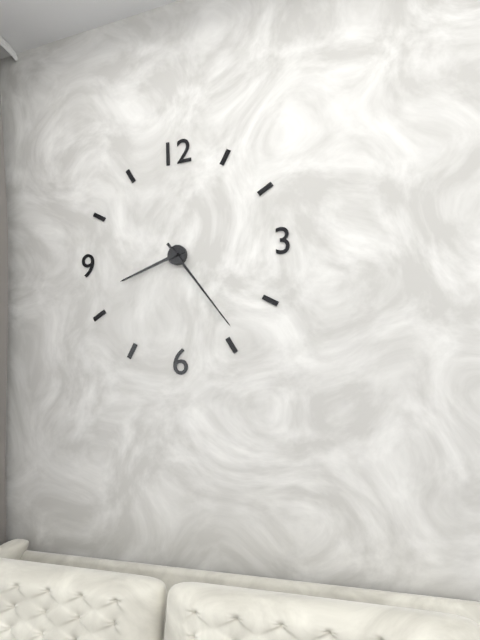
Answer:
8:24
